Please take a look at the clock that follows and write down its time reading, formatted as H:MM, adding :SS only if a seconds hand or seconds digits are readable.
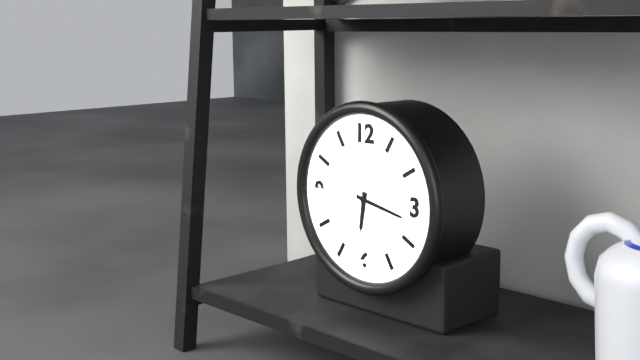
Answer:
6:17
